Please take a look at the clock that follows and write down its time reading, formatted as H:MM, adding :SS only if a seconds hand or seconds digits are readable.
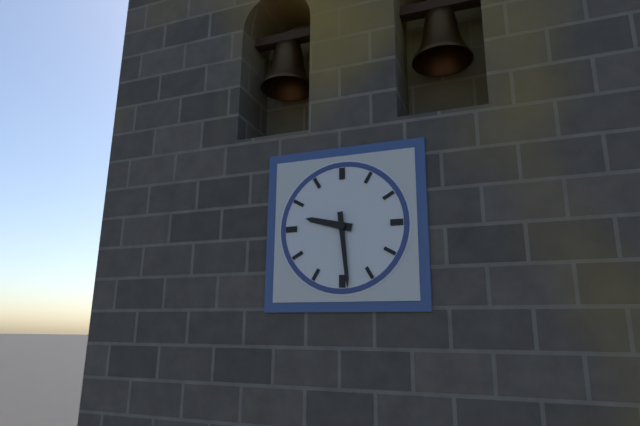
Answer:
9:29
